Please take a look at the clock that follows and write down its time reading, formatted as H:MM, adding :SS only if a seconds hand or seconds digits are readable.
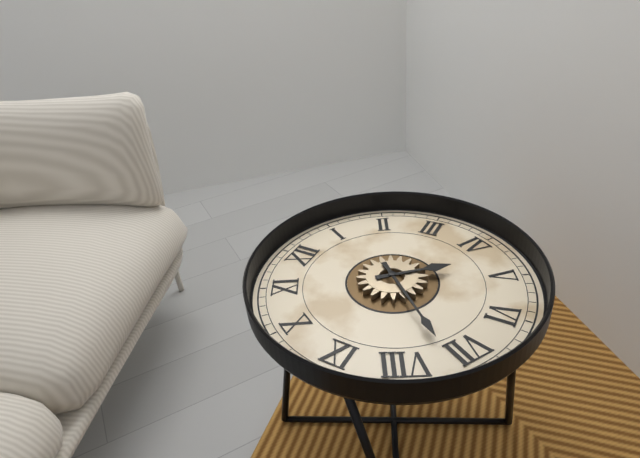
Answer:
4:37
